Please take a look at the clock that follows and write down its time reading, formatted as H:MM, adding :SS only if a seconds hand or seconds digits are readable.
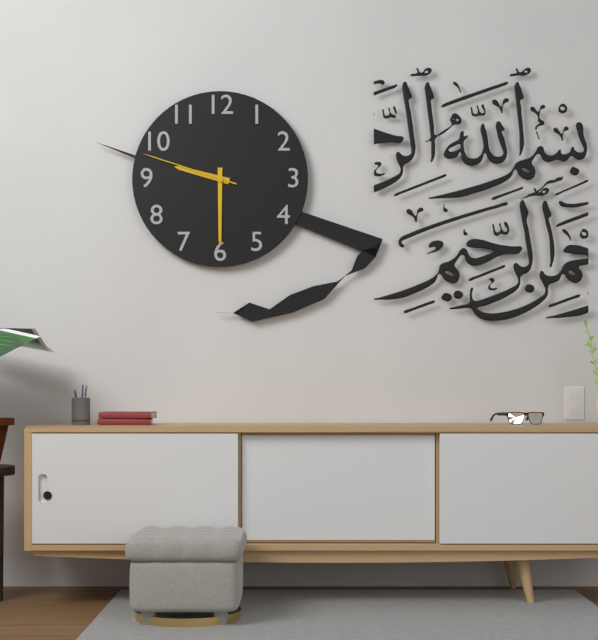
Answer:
9:30:48
